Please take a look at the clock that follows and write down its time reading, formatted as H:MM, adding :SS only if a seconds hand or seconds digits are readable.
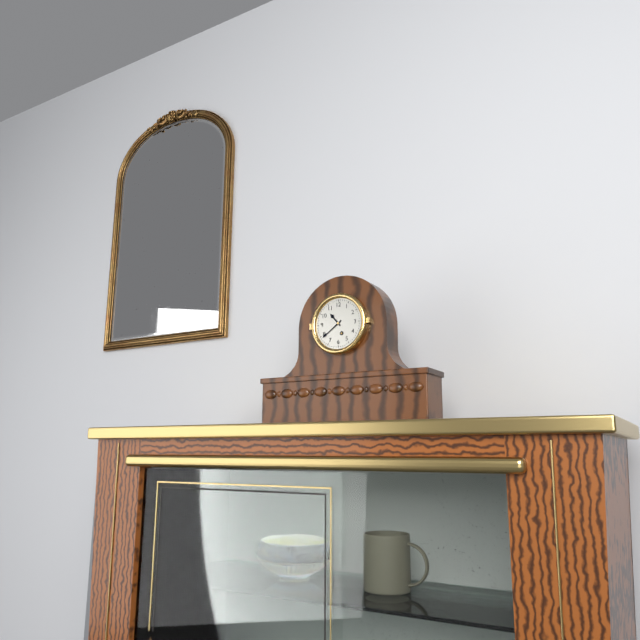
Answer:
10:39
